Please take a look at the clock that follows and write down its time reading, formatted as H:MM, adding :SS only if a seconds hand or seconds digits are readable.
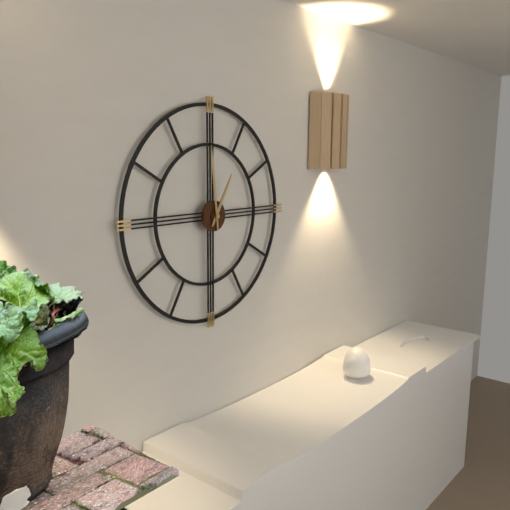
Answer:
12:59
